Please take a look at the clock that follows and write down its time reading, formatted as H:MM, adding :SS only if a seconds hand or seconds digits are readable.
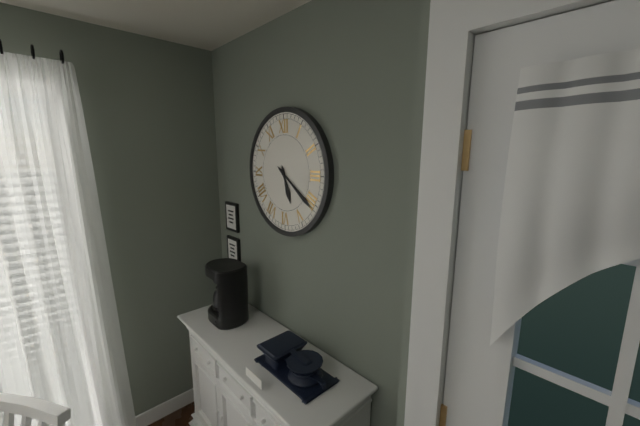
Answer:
5:21
